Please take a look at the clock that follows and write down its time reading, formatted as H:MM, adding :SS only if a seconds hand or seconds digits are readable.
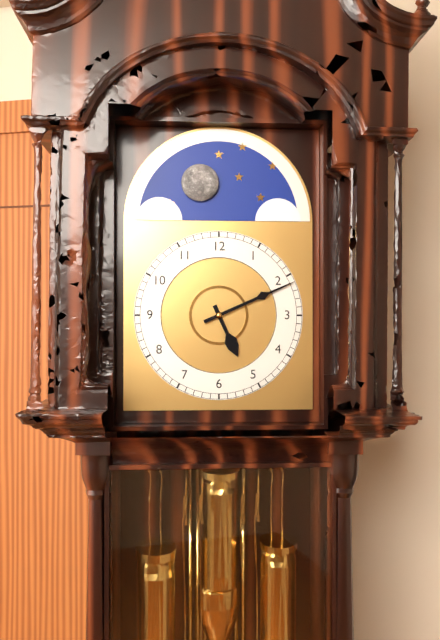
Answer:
5:11
